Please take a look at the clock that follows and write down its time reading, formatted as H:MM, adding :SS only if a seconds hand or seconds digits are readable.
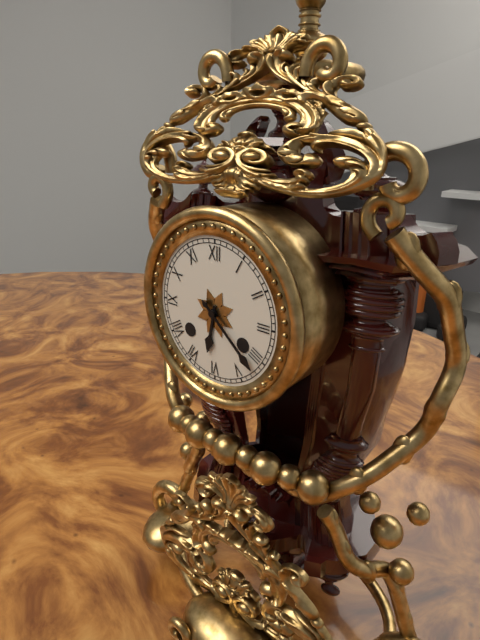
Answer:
6:22
